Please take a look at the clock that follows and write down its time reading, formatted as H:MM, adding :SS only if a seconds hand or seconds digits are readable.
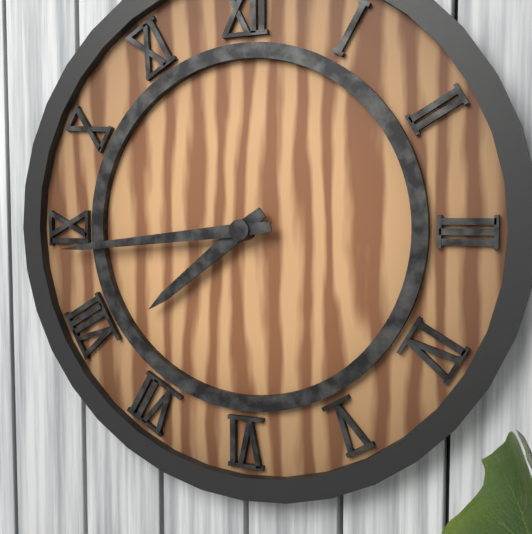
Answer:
7:44
